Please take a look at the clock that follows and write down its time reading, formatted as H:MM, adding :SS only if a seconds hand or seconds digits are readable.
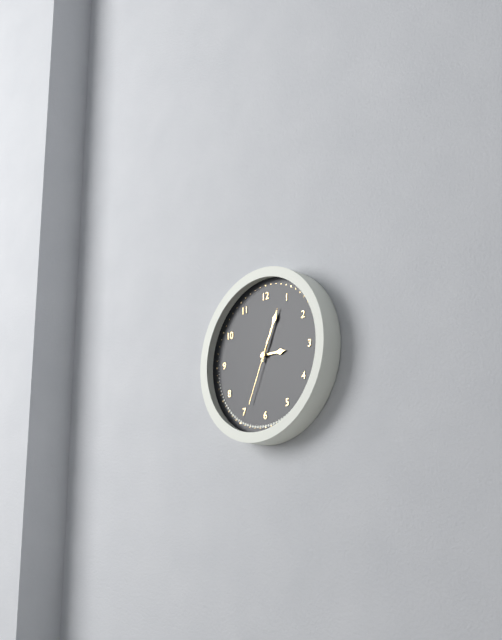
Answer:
3:04:34
